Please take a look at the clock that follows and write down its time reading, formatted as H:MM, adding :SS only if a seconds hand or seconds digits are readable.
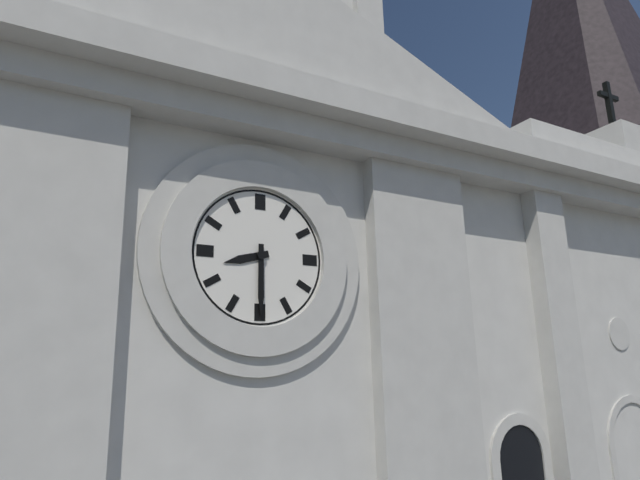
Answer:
8:30
